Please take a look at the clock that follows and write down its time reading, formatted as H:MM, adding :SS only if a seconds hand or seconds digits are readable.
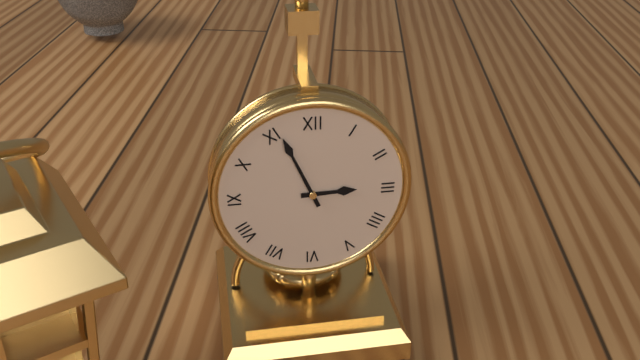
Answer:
2:56
